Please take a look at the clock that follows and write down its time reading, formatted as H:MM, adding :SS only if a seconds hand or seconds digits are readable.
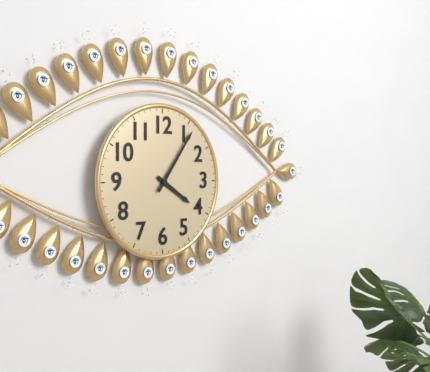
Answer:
4:06
